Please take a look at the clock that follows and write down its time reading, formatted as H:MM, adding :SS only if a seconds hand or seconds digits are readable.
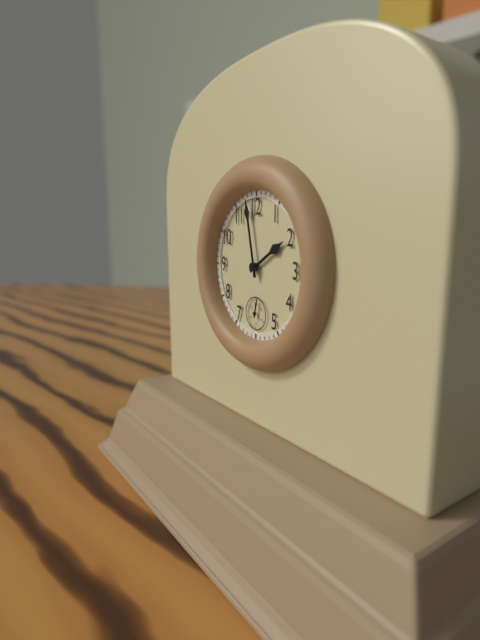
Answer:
1:58
